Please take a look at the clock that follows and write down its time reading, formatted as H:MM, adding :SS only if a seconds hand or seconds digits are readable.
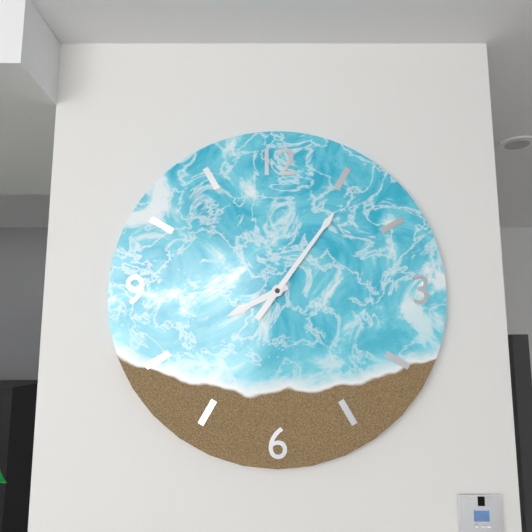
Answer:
8:06
